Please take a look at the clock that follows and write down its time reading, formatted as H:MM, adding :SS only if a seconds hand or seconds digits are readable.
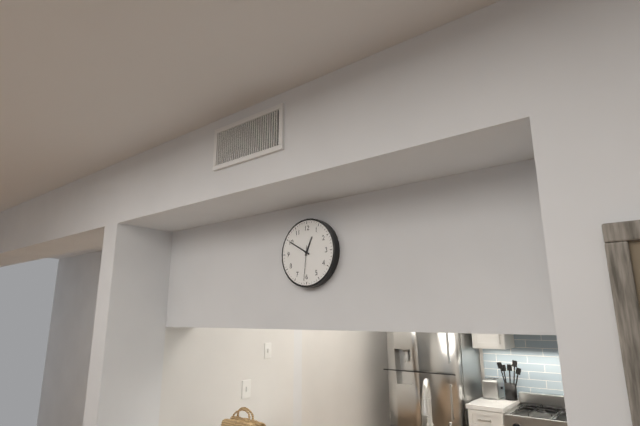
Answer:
12:50
